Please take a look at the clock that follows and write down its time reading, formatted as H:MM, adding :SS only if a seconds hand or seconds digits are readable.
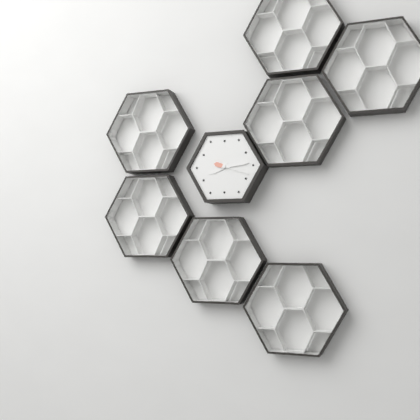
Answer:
8:14
